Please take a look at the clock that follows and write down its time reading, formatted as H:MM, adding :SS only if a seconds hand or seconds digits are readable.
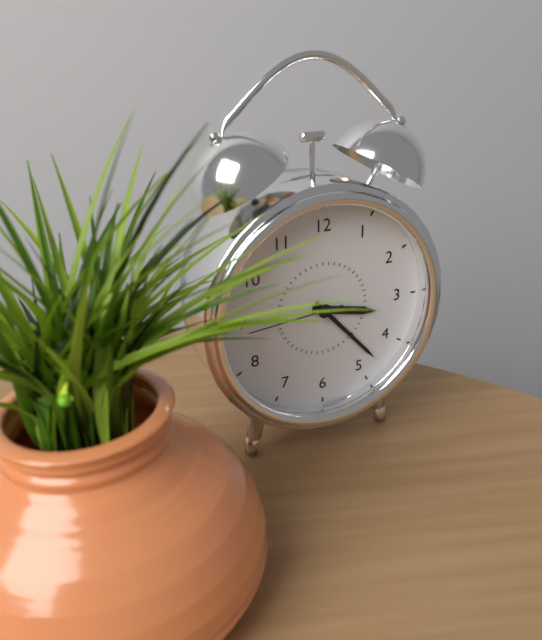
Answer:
3:23:44
